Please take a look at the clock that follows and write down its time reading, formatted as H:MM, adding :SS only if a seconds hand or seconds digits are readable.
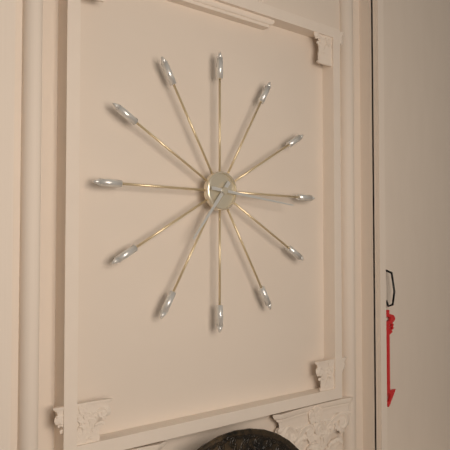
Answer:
7:16
